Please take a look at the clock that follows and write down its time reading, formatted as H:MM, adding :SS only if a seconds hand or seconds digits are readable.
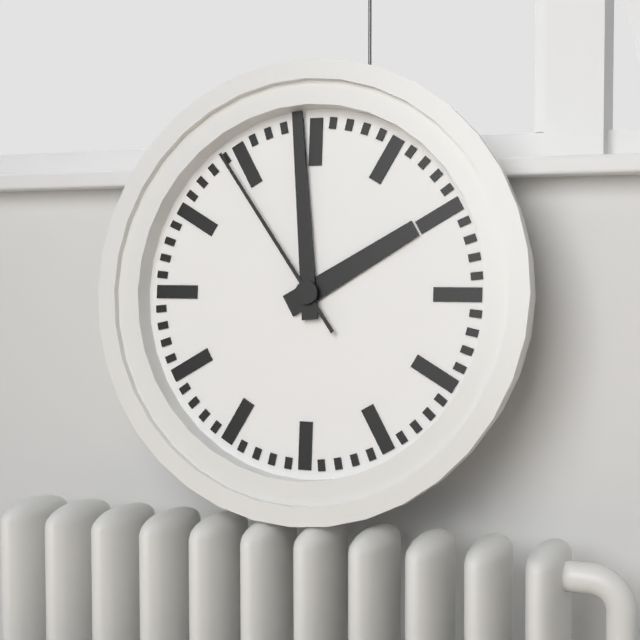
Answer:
1:59:54
